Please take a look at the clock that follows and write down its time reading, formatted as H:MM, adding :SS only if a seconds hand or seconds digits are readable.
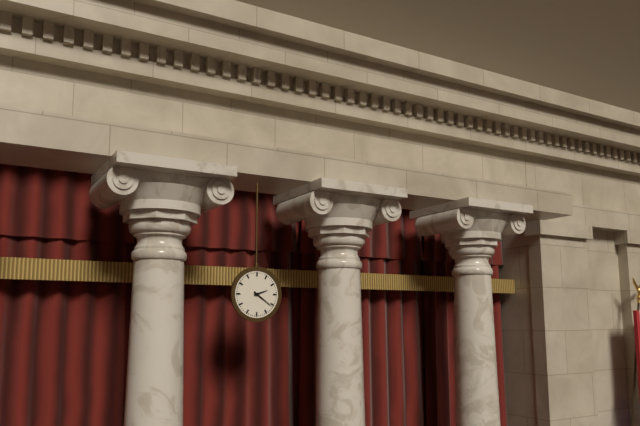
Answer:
2:21
